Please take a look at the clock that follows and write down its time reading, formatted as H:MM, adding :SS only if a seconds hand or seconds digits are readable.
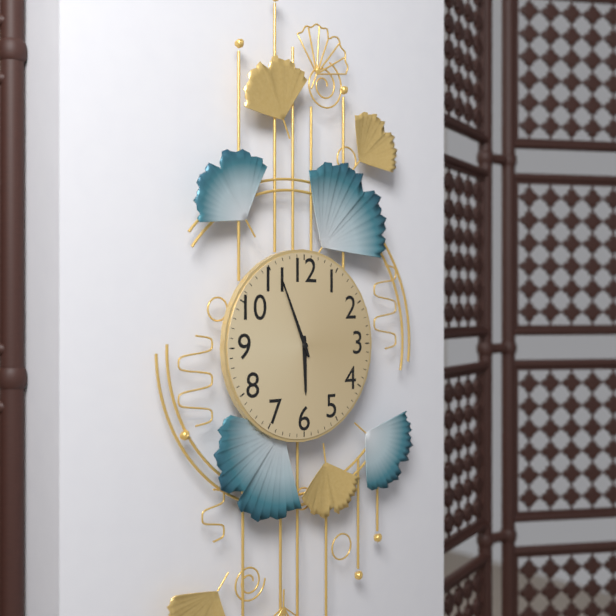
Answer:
5:56
